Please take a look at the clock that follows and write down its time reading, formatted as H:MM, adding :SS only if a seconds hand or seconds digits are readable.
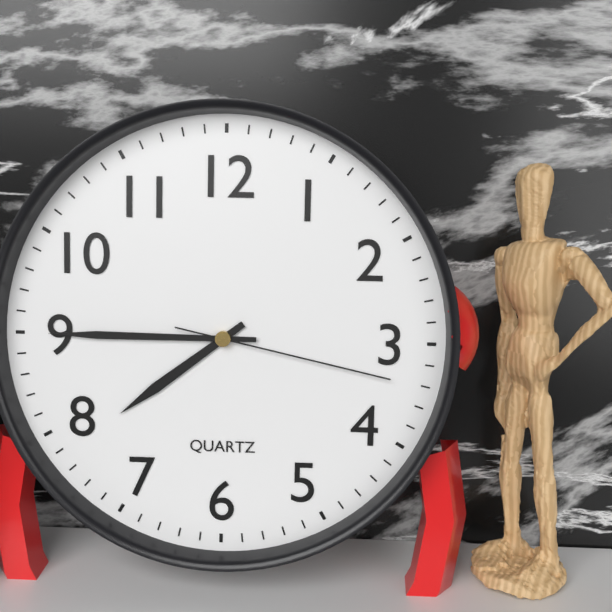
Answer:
7:45:17
